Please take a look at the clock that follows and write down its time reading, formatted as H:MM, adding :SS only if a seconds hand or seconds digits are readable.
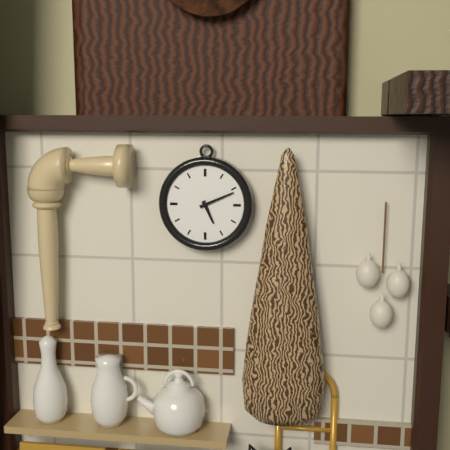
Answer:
5:11
